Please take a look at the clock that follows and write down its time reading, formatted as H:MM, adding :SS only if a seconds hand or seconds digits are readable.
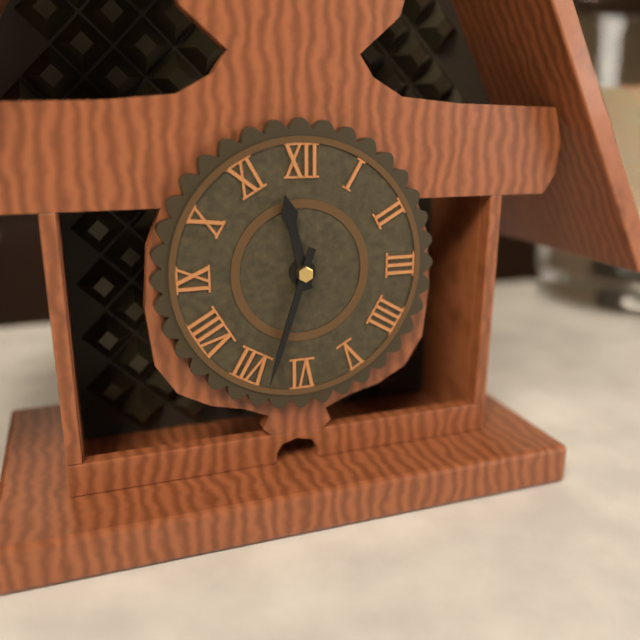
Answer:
11:33
